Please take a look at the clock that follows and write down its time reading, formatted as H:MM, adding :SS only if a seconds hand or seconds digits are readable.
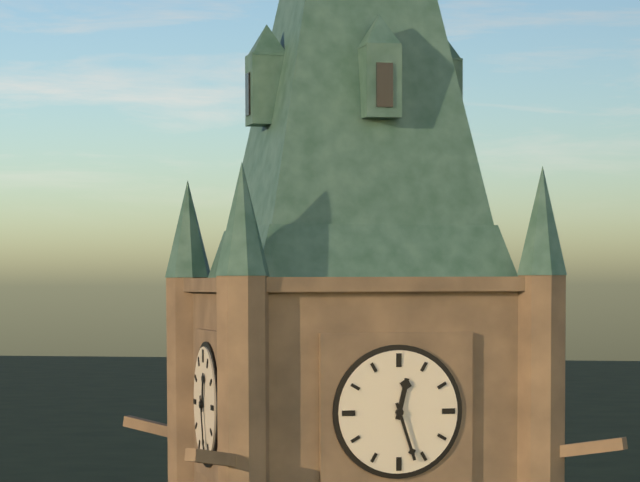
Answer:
12:27
